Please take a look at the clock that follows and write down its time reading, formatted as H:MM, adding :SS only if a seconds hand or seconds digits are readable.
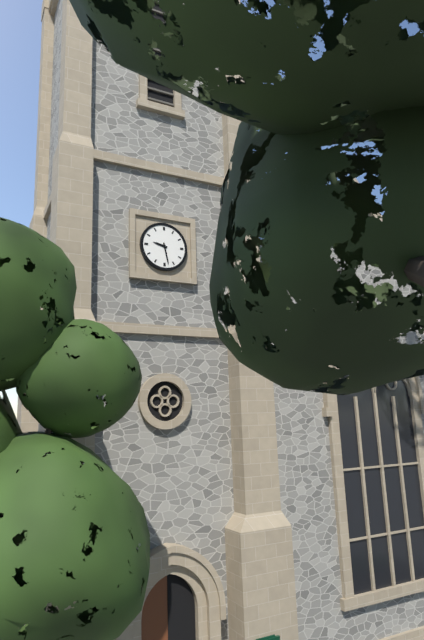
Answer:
9:28
